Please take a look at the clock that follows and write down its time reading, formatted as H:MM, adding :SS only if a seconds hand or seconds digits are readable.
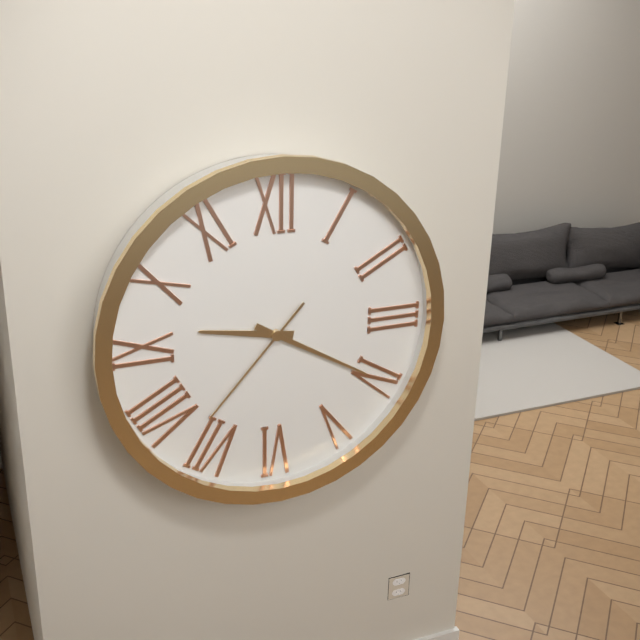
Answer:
9:20:37
